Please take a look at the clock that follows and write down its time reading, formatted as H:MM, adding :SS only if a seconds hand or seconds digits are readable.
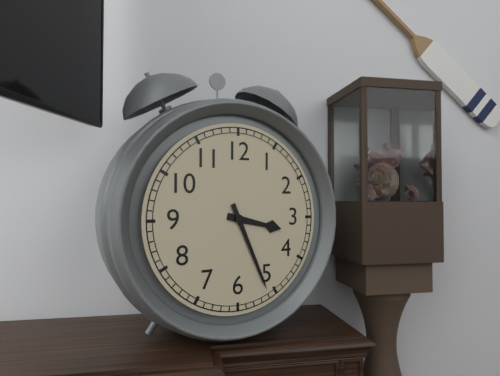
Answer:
3:26
